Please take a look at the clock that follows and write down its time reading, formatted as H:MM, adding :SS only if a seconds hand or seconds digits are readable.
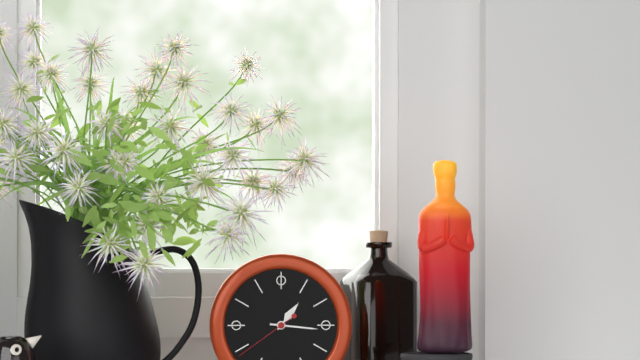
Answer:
1:16:39
